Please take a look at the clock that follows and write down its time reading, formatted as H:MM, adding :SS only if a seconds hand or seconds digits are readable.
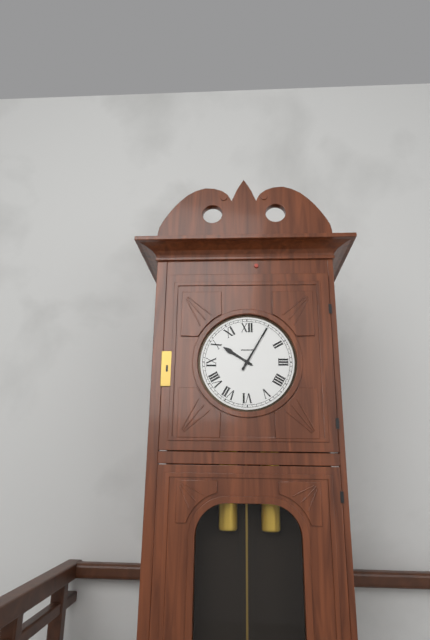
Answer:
10:05
